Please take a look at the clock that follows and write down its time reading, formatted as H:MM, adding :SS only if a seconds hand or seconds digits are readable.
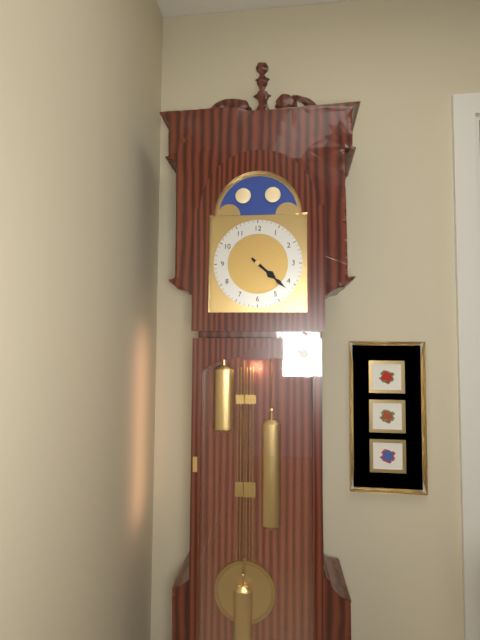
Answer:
4:22
